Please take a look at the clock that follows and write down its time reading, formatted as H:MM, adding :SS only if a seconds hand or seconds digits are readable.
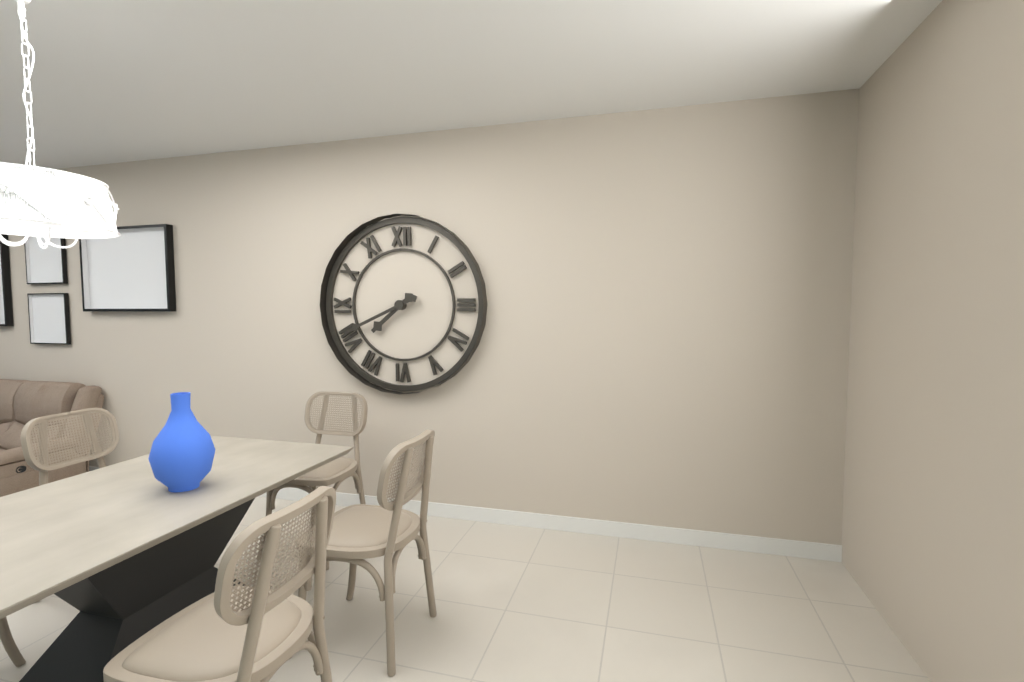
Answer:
7:41
